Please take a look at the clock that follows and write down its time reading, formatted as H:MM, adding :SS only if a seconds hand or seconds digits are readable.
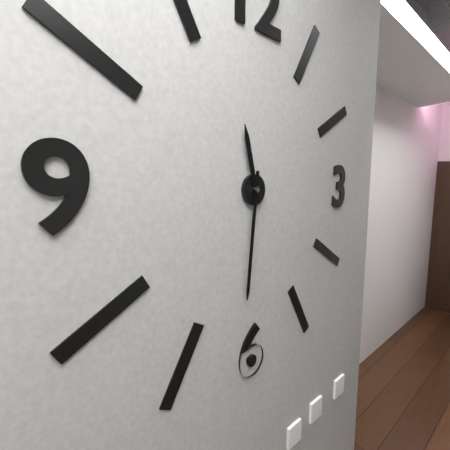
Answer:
11:31
